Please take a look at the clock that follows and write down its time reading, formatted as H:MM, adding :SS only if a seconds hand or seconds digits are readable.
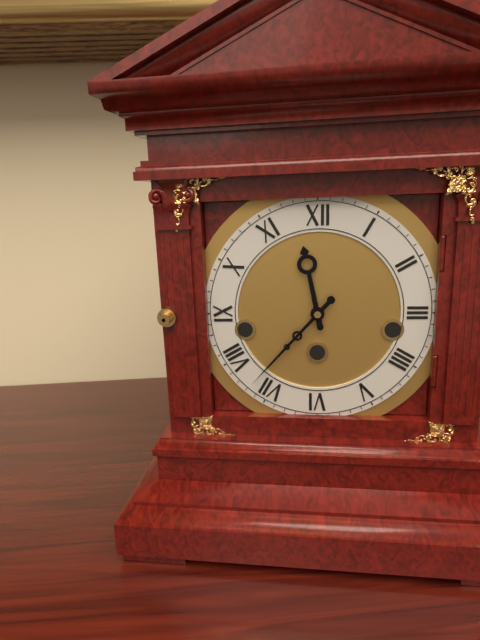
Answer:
11:37
